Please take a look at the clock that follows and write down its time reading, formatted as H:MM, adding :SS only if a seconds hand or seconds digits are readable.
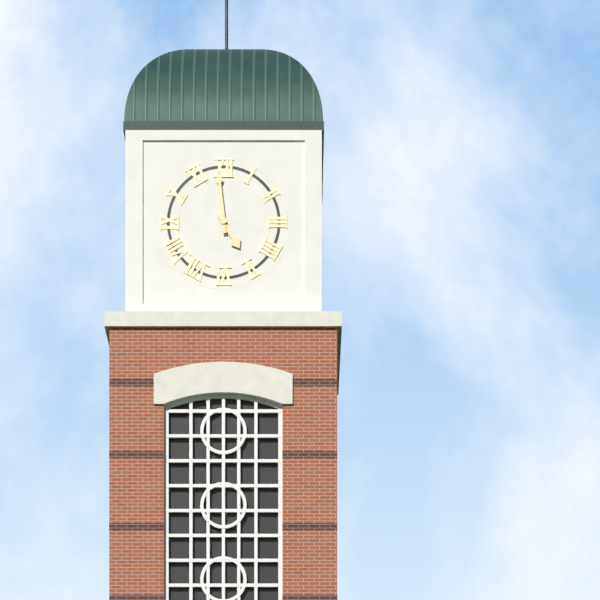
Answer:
4:59
